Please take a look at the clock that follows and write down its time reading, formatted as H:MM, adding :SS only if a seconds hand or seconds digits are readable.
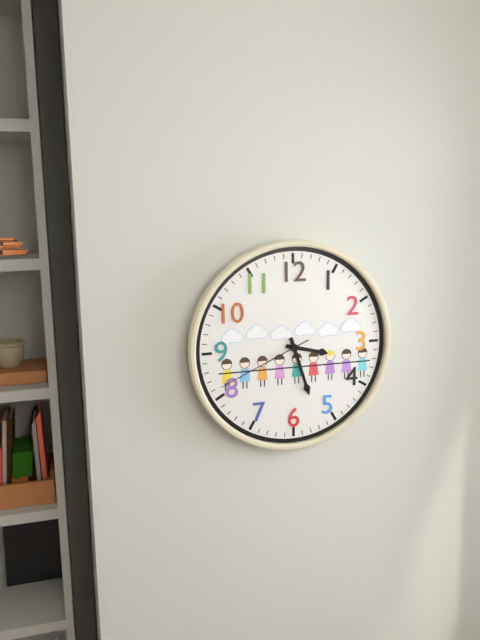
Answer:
3:27:41
